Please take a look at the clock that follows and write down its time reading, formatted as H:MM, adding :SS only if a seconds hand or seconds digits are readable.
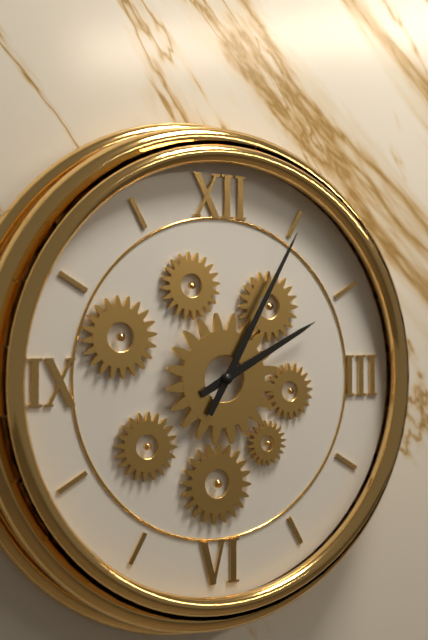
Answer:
2:05
